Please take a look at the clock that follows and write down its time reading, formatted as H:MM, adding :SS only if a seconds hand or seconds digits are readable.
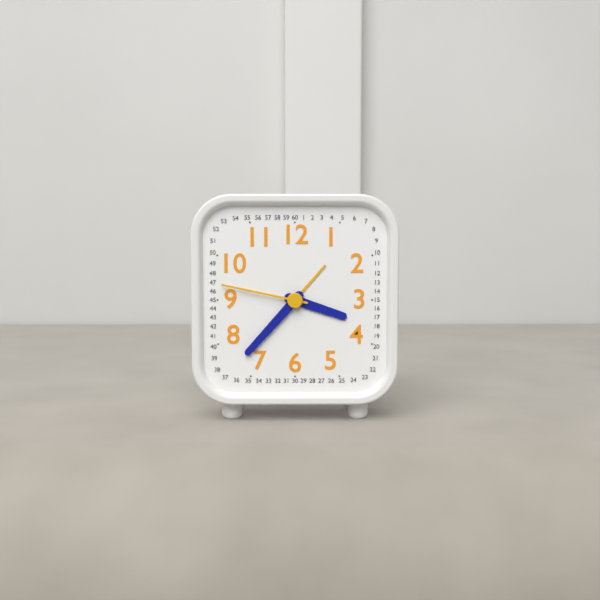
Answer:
3:37:47
